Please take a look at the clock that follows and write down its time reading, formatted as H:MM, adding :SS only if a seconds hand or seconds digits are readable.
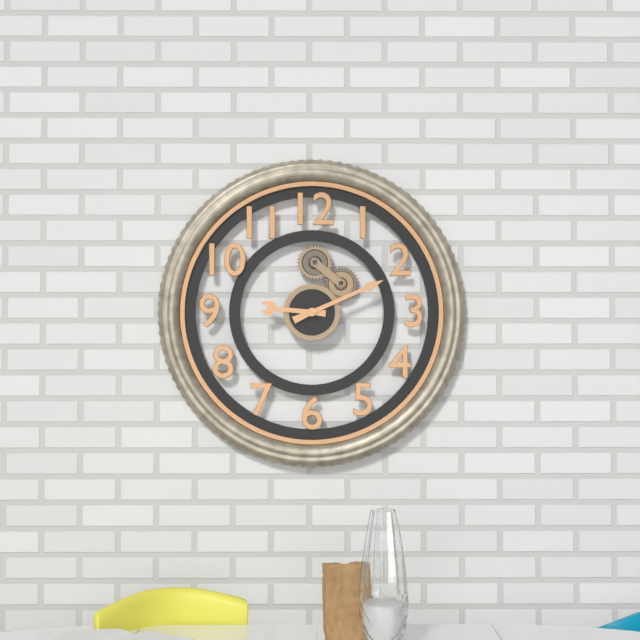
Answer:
9:11
